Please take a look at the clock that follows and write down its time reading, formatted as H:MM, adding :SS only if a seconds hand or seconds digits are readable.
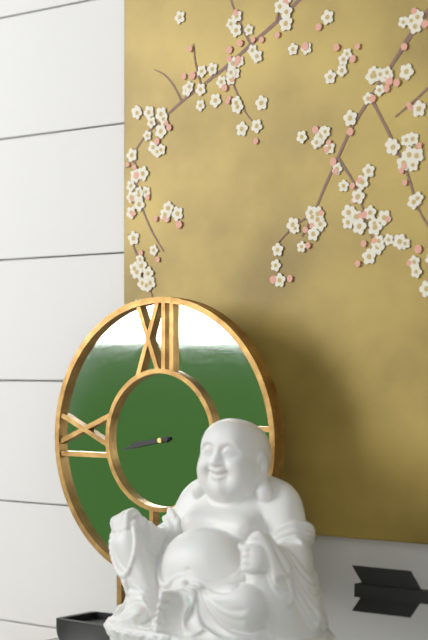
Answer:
8:43
